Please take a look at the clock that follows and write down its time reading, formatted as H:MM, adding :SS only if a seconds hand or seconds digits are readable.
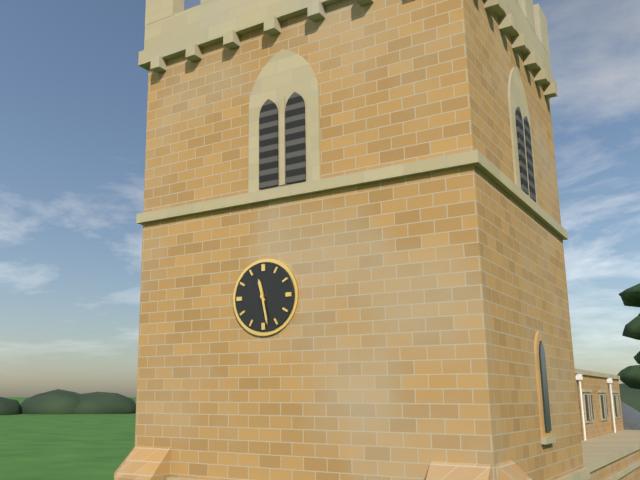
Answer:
11:28
